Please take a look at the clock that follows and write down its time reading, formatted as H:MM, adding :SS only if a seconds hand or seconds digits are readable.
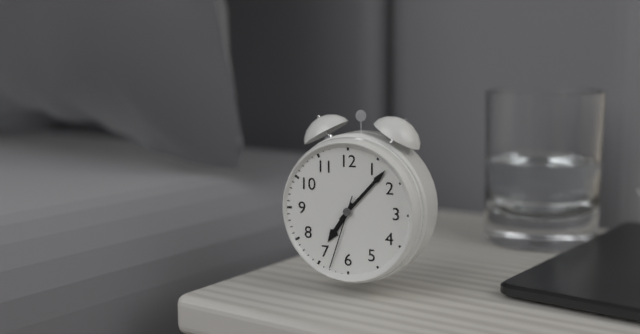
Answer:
7:07:33
